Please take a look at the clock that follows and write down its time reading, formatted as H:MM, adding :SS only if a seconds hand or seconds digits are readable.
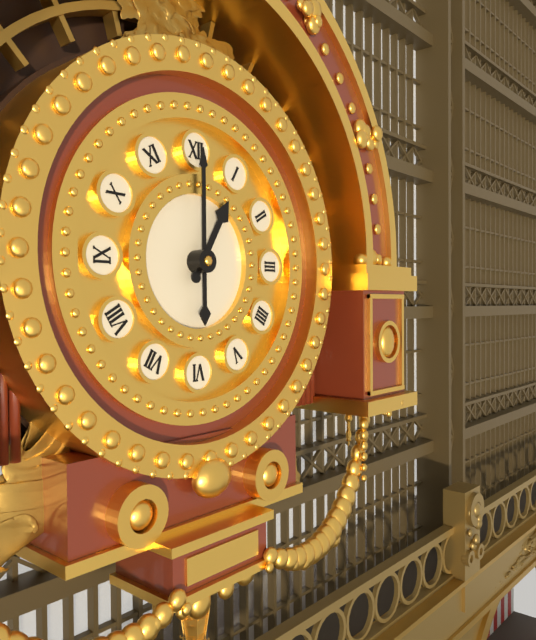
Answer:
1:00
